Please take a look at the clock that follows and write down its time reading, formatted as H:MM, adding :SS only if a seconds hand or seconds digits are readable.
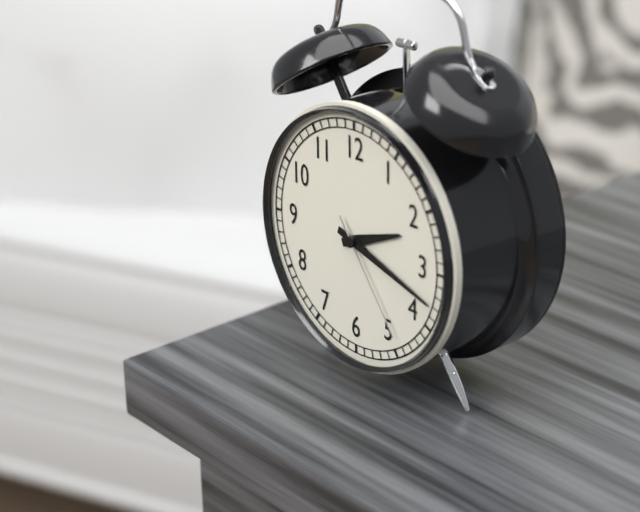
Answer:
2:18:24
